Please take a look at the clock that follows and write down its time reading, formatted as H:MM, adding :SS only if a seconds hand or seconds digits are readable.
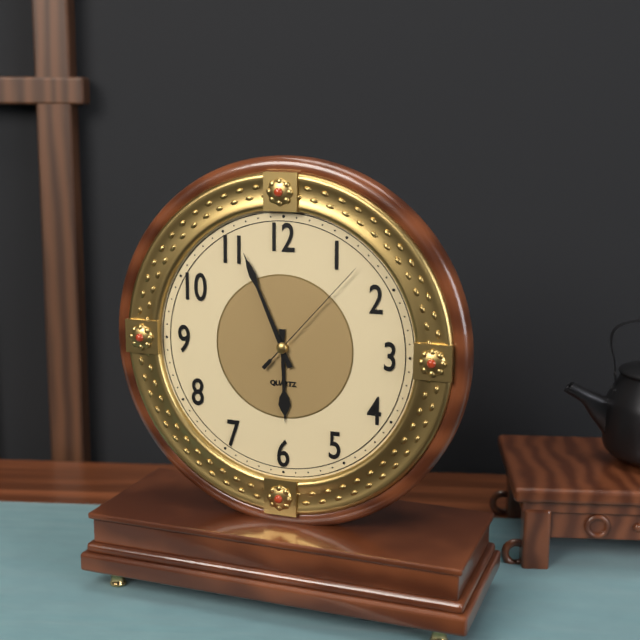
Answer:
5:56:07
